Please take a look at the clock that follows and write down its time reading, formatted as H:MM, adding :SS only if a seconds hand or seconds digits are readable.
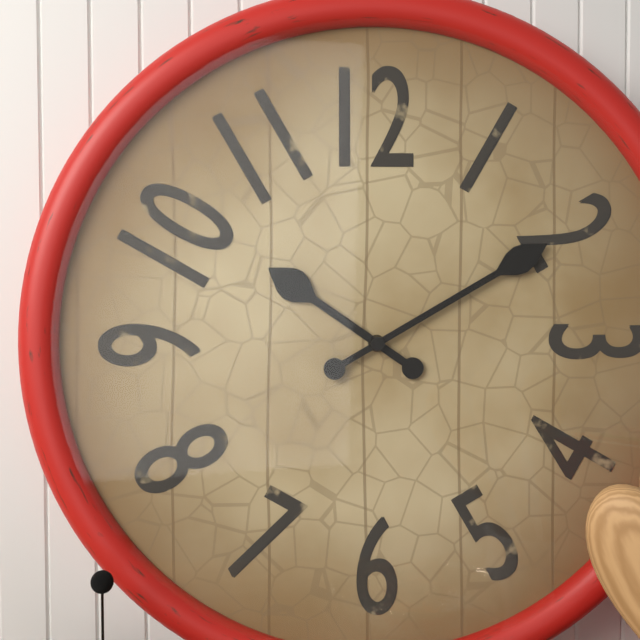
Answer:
10:10
